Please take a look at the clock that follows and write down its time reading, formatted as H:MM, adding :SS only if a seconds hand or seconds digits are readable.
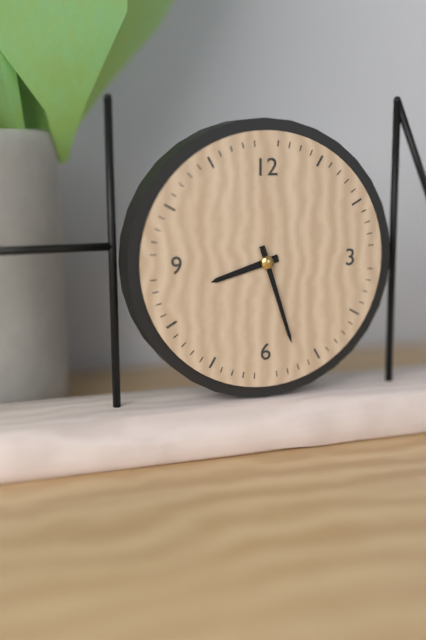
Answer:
8:27
